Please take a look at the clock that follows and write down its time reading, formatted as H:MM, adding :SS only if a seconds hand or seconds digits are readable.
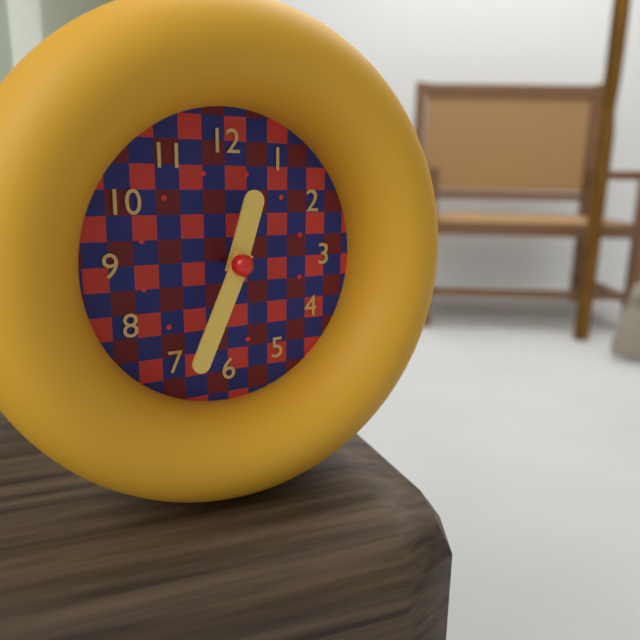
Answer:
12:34
